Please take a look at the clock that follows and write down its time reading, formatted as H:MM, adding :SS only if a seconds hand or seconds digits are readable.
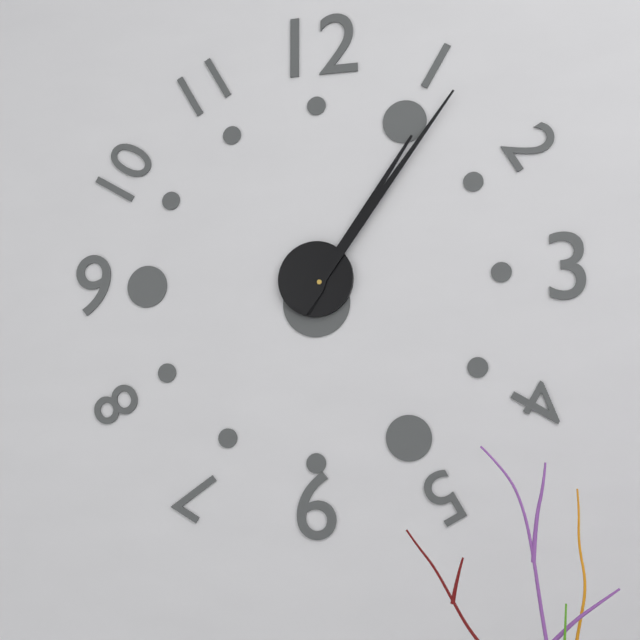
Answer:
1:06
